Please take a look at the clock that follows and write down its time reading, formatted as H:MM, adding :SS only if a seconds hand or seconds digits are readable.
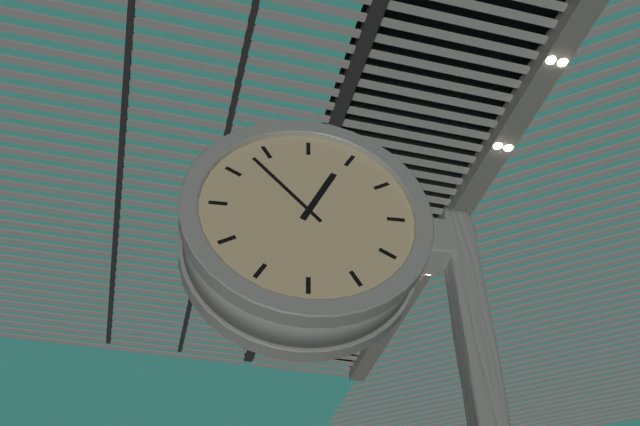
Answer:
12:53
